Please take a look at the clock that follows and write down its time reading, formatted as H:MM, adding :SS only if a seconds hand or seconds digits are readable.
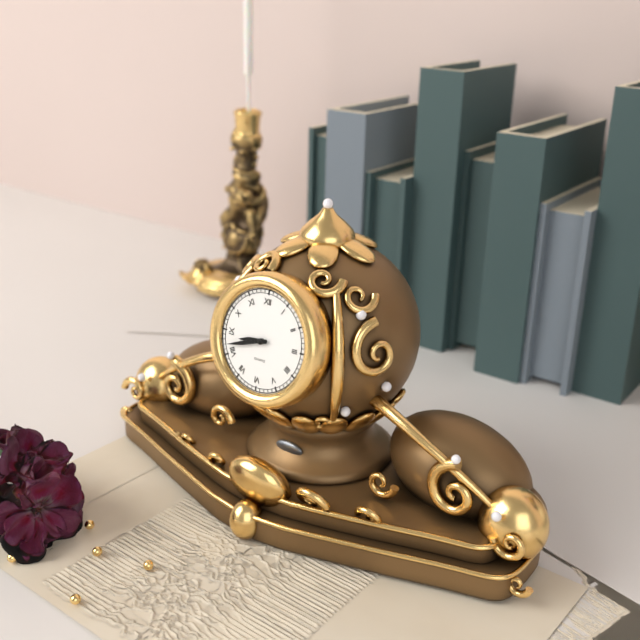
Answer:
8:42
